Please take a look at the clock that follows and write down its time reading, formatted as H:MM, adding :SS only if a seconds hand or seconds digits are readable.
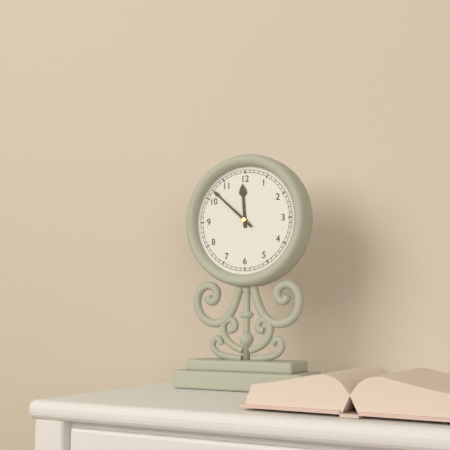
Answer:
11:52
